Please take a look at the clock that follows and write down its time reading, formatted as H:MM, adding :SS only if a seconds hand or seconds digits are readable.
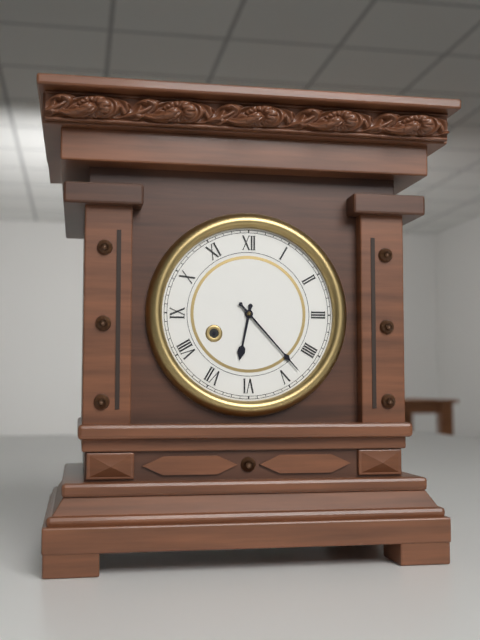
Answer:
6:23
